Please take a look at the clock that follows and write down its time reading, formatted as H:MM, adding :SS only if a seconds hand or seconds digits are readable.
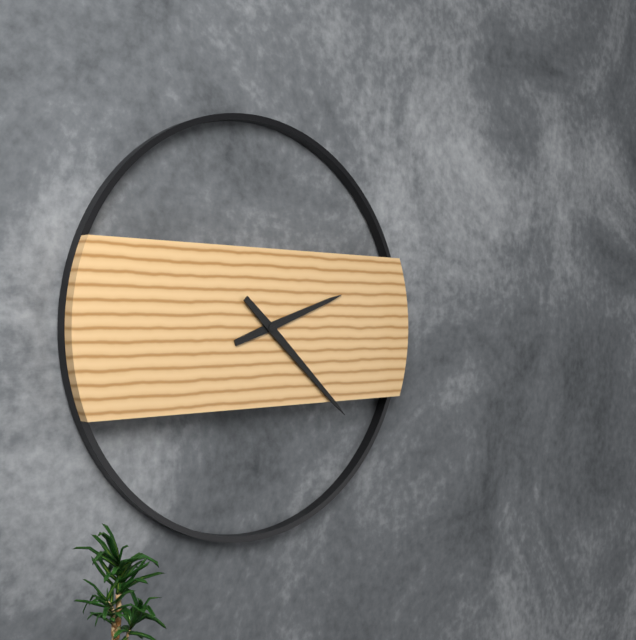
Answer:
2:22
